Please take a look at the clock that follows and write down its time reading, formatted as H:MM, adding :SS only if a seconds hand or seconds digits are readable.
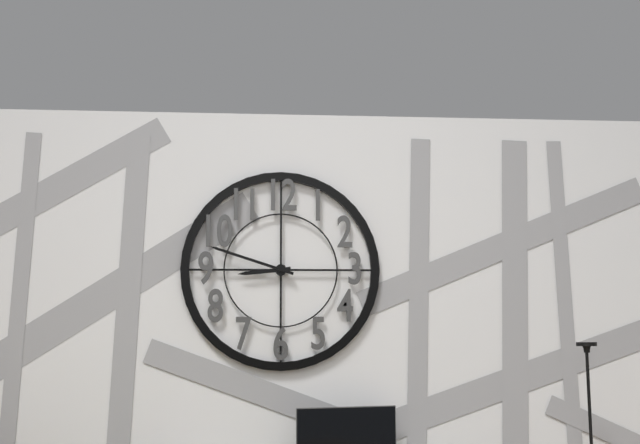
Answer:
8:48
